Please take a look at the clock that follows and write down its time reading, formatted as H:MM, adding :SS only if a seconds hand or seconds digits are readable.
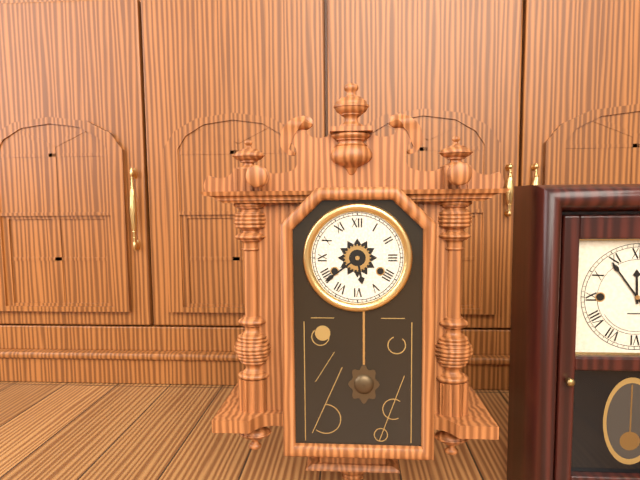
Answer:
5:39
